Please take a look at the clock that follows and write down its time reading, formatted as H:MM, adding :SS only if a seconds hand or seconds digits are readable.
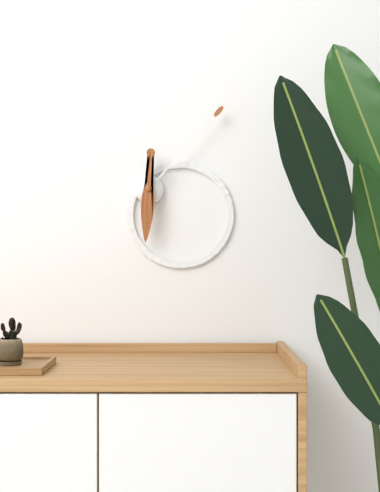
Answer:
6:07
